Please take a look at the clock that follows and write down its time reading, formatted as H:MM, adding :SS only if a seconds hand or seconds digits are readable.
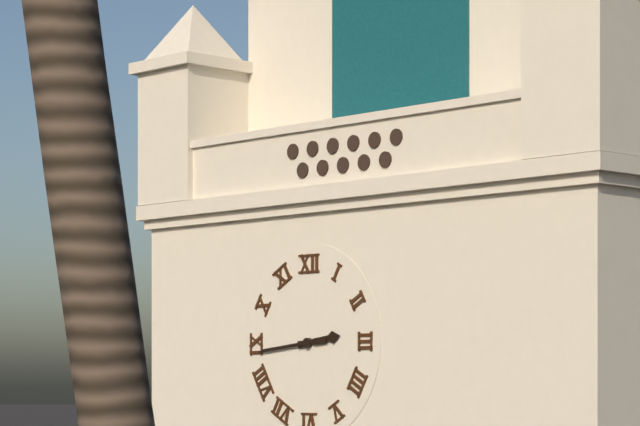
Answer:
2:44
